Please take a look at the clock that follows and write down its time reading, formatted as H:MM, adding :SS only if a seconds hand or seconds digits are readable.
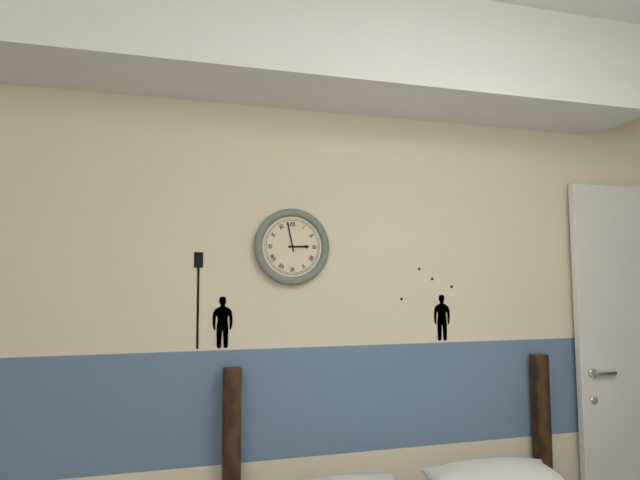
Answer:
2:58
